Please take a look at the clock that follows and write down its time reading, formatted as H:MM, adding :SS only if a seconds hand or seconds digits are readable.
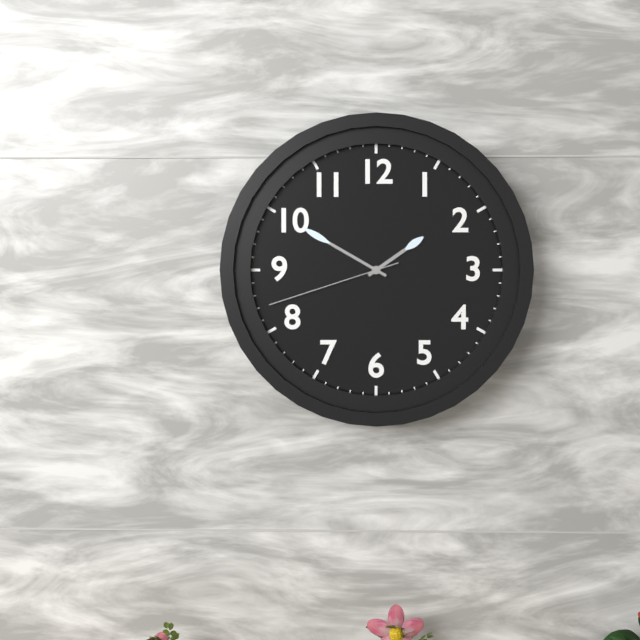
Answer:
1:50:42
